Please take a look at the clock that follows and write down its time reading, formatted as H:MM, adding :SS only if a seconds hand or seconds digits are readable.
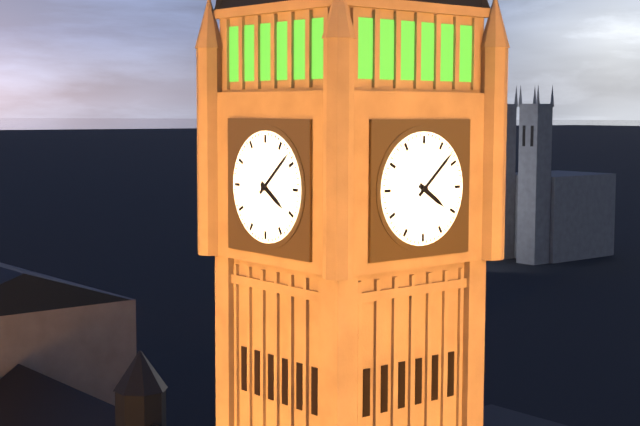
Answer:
4:08
